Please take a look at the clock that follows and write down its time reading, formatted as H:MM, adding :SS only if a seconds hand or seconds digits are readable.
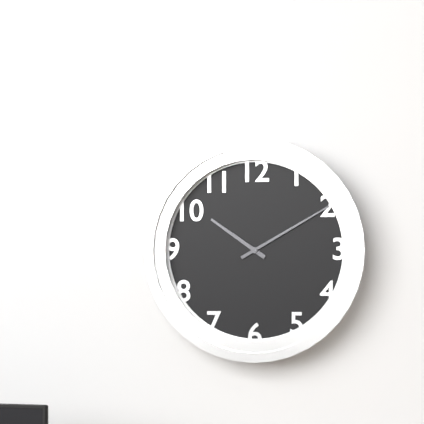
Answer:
10:10
